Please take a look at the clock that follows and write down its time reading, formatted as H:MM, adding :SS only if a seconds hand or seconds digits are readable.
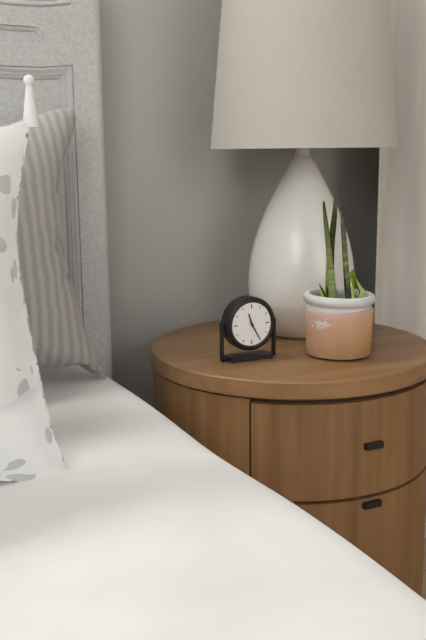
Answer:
11:25
